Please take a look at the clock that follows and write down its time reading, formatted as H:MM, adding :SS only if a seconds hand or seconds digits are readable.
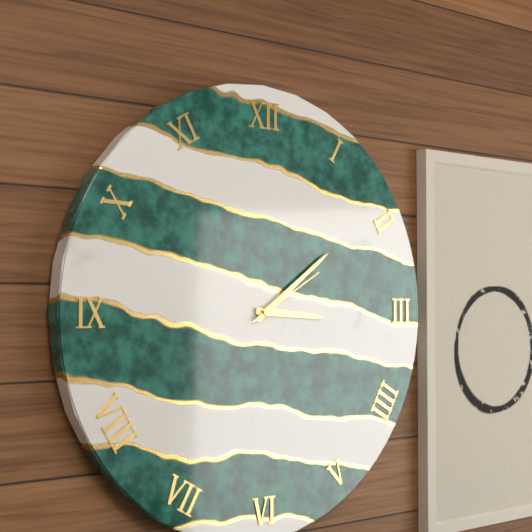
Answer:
3:09:10
